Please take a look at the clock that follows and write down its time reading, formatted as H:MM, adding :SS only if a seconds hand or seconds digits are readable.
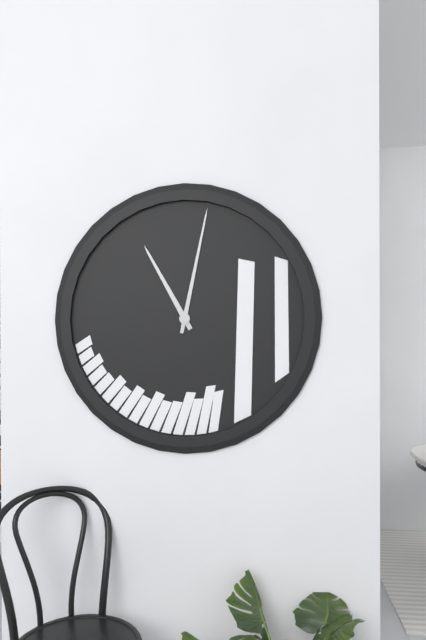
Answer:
11:02
